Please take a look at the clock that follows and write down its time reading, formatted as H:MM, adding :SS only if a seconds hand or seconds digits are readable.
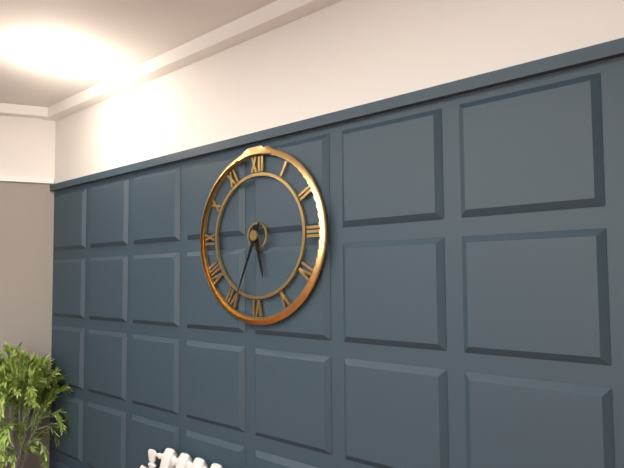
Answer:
5:34
